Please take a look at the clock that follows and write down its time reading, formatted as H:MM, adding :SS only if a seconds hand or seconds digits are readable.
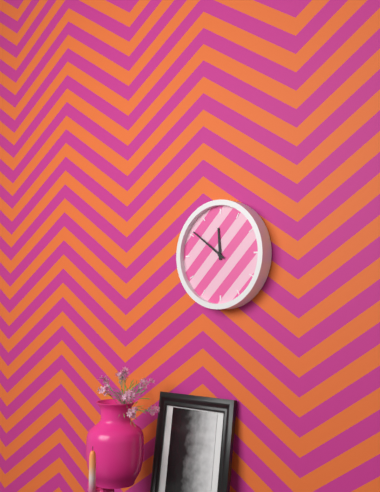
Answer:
11:51
